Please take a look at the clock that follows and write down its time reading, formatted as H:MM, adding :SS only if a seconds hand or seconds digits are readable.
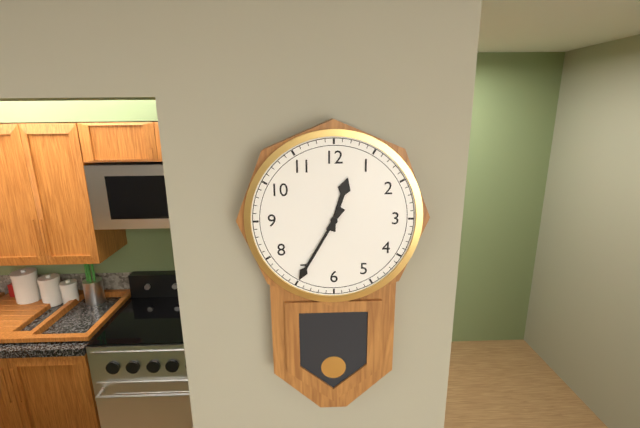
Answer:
12:35
